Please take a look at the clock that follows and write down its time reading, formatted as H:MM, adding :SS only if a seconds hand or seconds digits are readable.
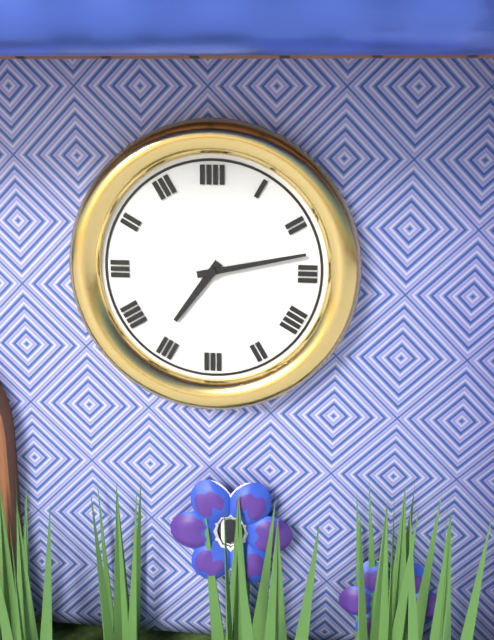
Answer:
7:13
